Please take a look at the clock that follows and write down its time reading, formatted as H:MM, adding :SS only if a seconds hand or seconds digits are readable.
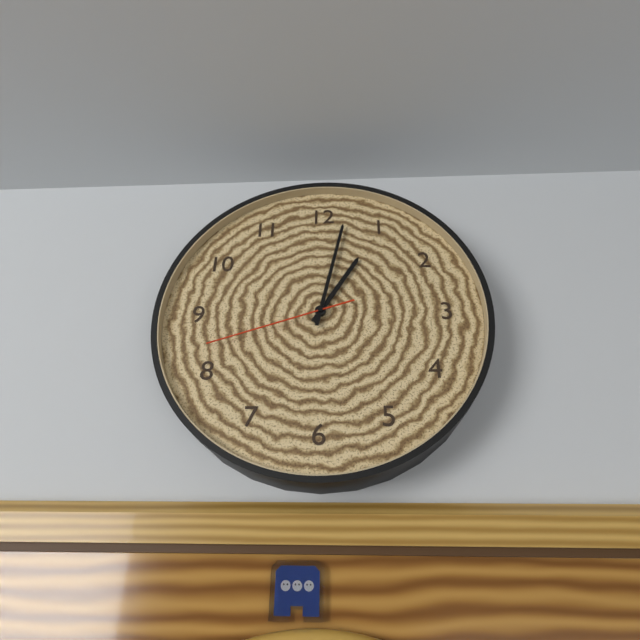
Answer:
1:02:42
